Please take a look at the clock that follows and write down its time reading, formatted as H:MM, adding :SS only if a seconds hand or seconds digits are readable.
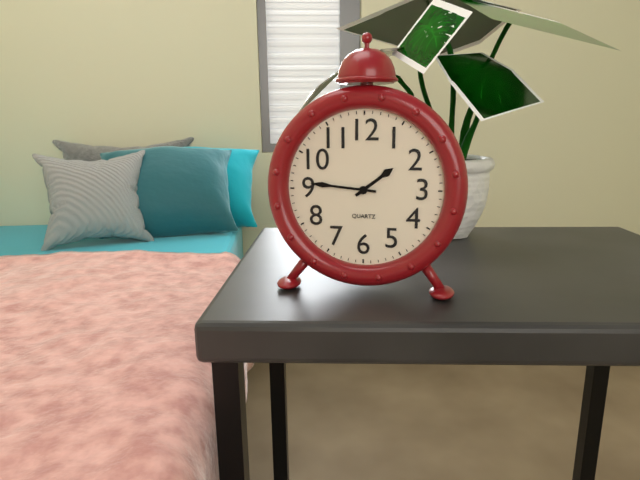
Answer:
1:46
